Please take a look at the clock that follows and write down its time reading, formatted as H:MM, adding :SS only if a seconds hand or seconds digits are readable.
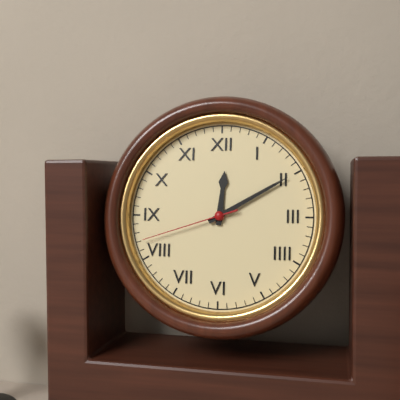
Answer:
12:10:42
